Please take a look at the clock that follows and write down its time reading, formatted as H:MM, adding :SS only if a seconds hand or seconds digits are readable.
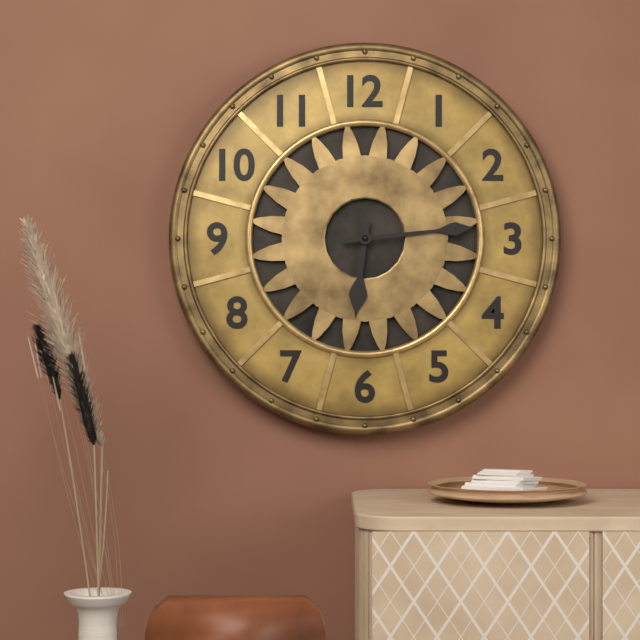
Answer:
6:14
